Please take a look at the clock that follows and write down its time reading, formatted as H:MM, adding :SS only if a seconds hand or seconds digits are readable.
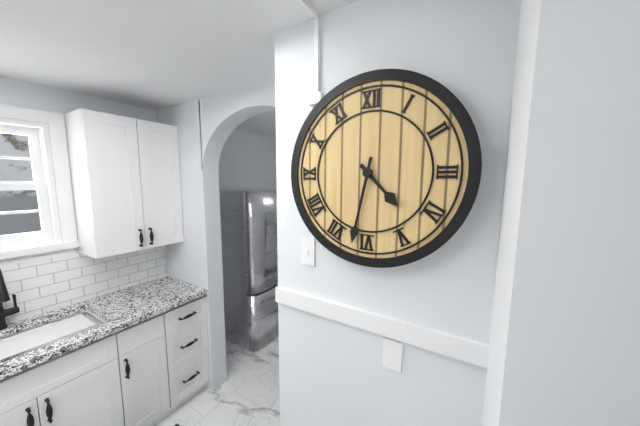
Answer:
4:32
